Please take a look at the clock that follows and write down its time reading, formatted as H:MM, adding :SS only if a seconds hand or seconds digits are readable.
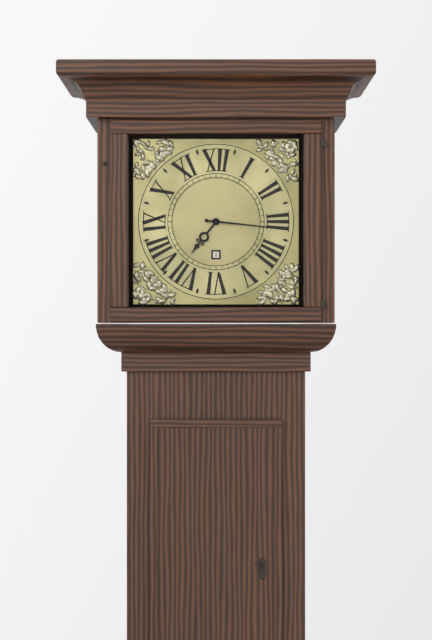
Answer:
7:16
